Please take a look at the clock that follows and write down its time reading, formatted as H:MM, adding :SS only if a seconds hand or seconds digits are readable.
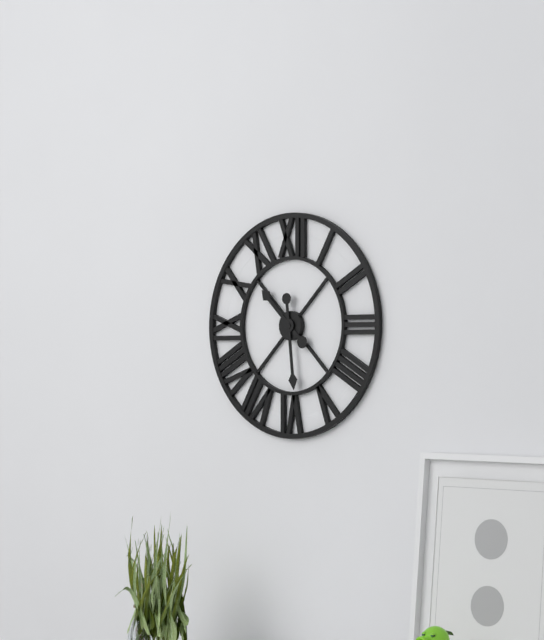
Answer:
10:29
